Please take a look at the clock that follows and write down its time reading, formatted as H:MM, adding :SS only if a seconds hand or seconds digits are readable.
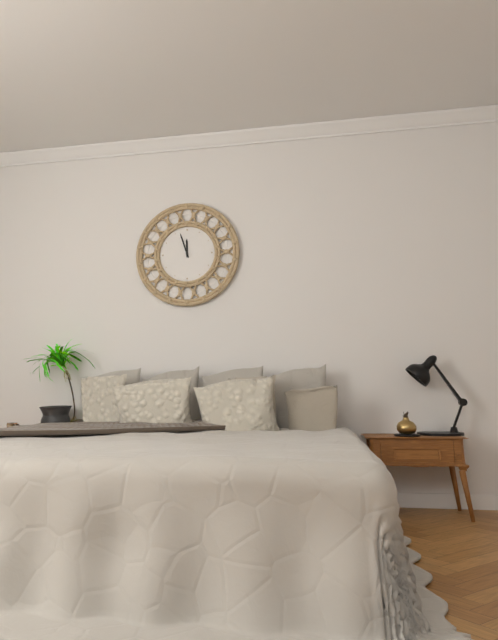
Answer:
11:57
